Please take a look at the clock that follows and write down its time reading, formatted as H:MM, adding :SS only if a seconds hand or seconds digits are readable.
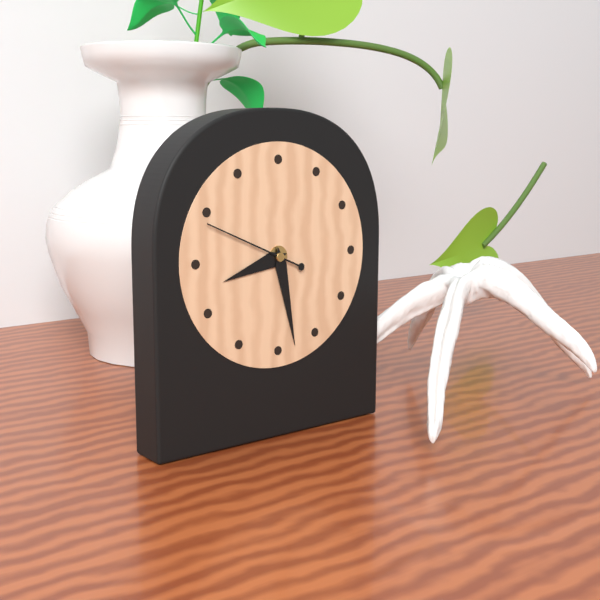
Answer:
8:28:49
